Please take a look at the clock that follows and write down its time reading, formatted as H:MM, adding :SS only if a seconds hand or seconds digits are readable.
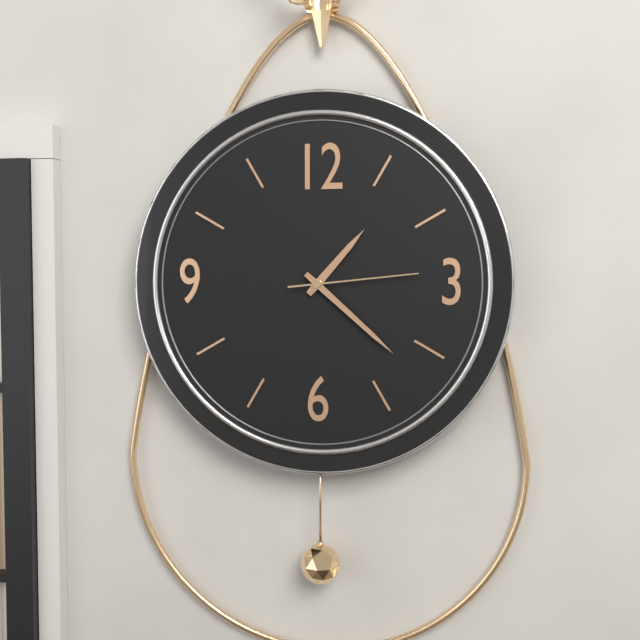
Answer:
1:22:14
